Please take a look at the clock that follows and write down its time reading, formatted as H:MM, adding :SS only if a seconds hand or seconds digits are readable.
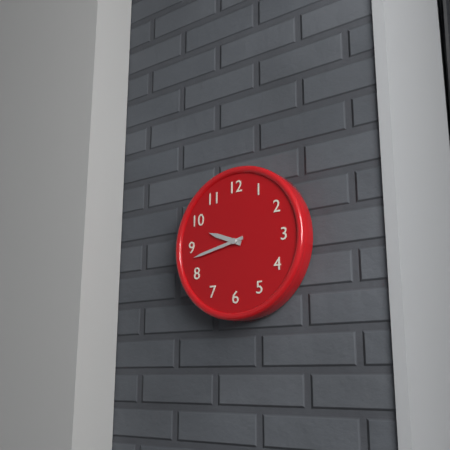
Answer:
9:43
